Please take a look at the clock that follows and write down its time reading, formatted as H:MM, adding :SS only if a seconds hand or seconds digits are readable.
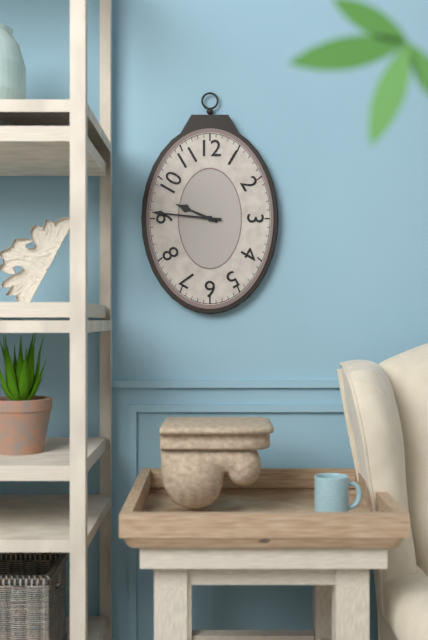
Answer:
9:46
